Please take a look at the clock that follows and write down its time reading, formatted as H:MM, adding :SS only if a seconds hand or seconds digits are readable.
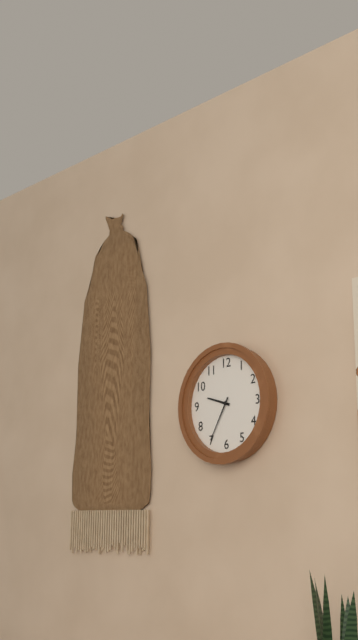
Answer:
9:35
